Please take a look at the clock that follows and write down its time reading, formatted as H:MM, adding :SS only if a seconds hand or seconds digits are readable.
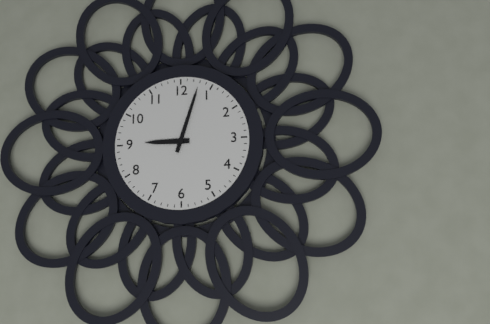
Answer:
9:03
